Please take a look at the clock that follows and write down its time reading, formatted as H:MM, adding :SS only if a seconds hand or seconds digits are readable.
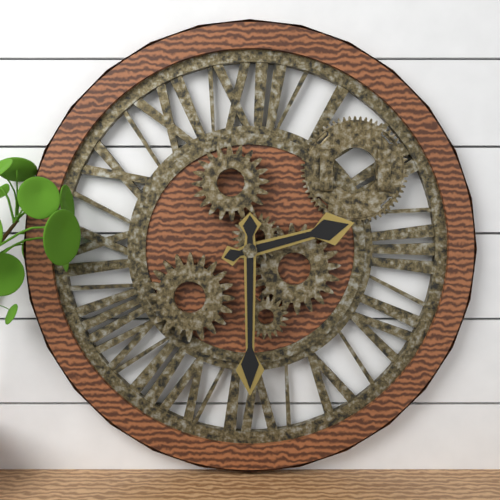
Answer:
2:30
